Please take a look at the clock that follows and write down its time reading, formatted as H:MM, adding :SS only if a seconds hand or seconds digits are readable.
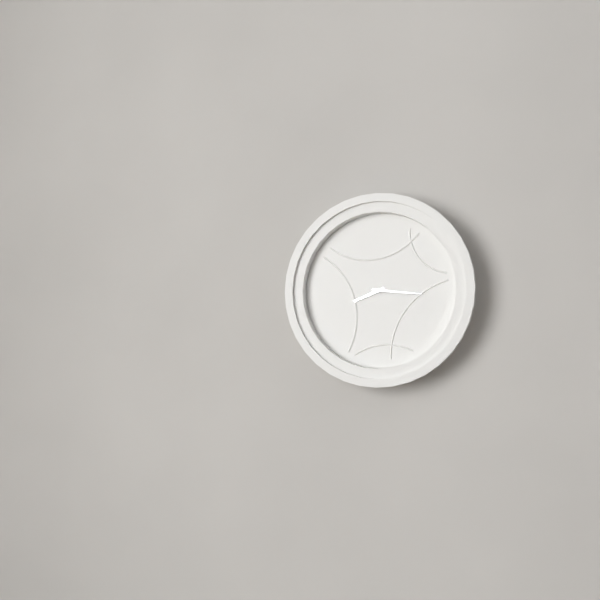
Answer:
8:16
